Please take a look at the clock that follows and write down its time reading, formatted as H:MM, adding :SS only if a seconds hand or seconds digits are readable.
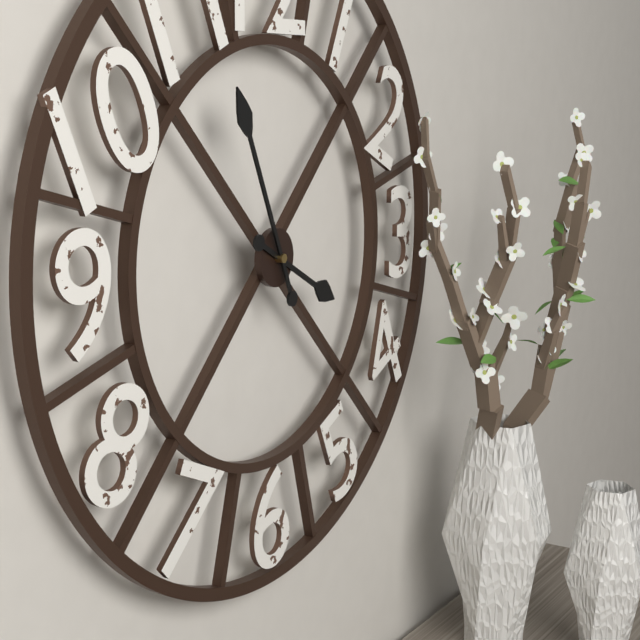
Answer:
3:56
